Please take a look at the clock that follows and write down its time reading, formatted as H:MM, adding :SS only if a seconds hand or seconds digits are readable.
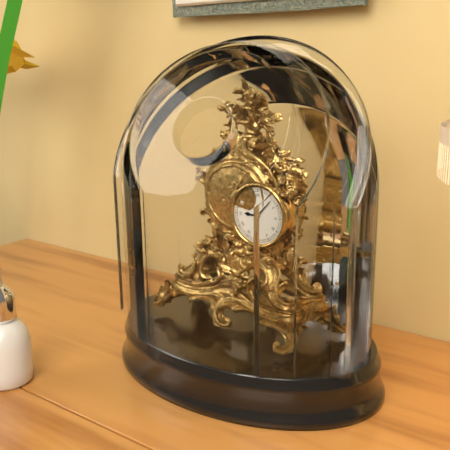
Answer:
9:07
